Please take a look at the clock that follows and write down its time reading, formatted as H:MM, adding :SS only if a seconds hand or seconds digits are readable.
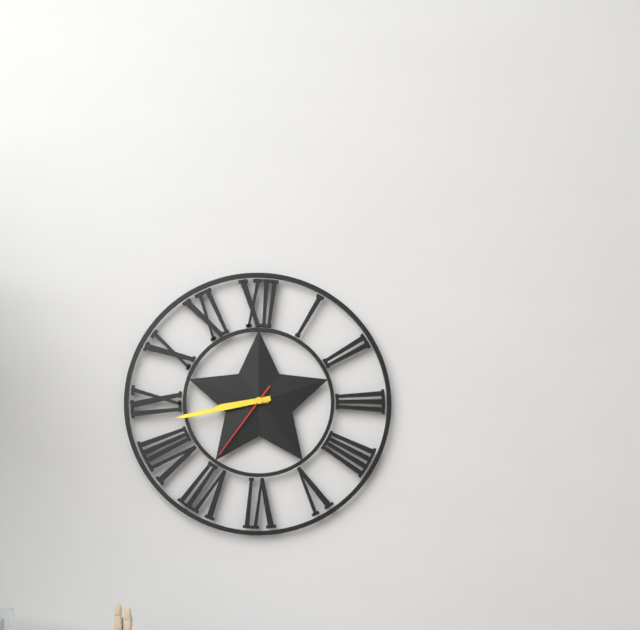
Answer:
8:43:36
